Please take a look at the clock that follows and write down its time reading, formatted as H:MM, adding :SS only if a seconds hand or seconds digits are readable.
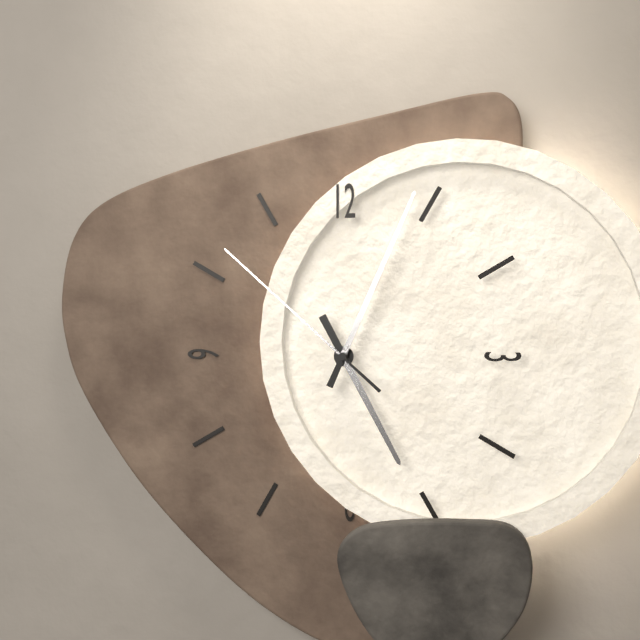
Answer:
5:04:52
